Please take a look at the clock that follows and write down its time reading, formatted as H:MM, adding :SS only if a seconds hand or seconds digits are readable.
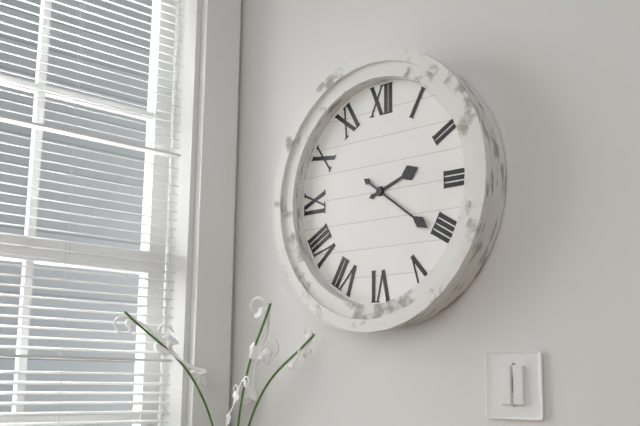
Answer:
2:21
